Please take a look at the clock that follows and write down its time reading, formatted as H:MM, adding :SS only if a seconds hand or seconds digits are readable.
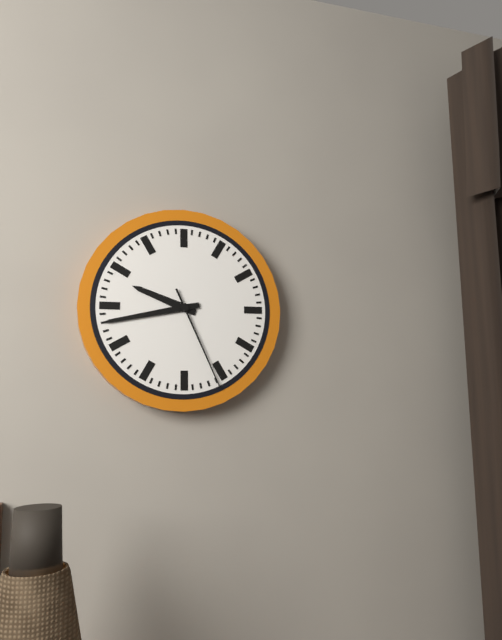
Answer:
9:43:26
